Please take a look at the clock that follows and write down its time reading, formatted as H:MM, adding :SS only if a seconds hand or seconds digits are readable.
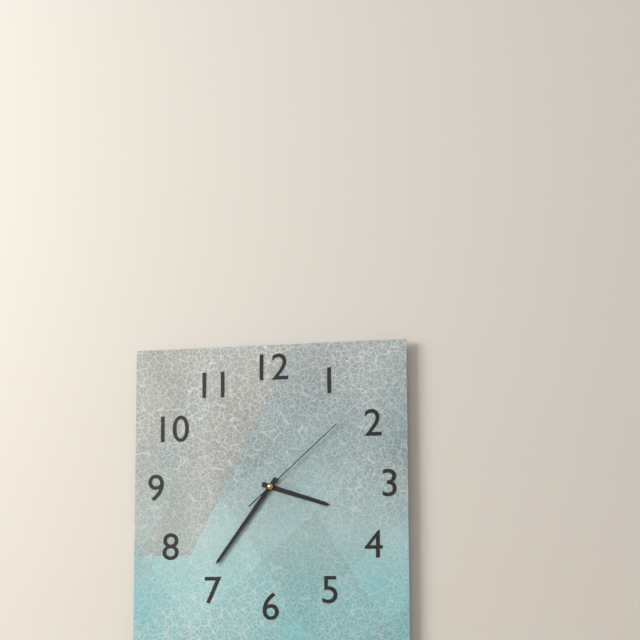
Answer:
3:36:08
